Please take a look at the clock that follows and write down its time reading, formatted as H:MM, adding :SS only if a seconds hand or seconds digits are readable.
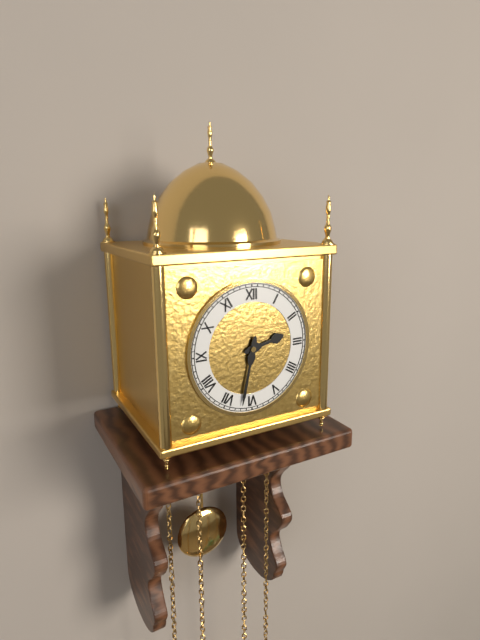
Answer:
2:32
